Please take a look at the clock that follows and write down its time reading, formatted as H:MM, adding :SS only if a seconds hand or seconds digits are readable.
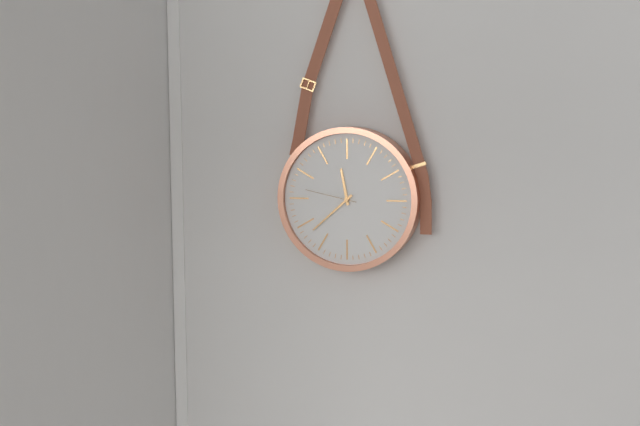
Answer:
11:38:47
